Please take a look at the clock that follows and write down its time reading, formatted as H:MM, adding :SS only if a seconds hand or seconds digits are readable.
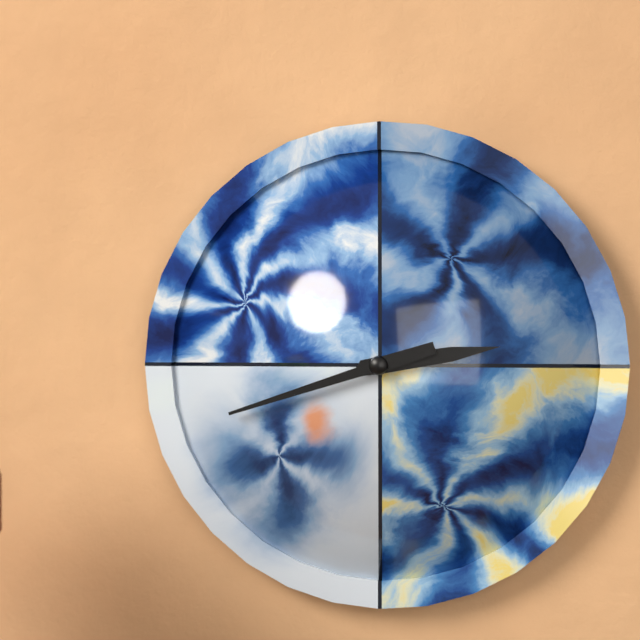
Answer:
2:42
